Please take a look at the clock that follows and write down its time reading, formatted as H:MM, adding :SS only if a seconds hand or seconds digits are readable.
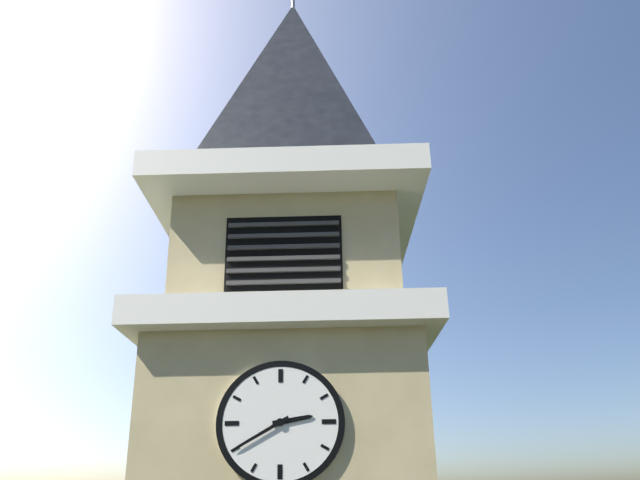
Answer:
2:40
